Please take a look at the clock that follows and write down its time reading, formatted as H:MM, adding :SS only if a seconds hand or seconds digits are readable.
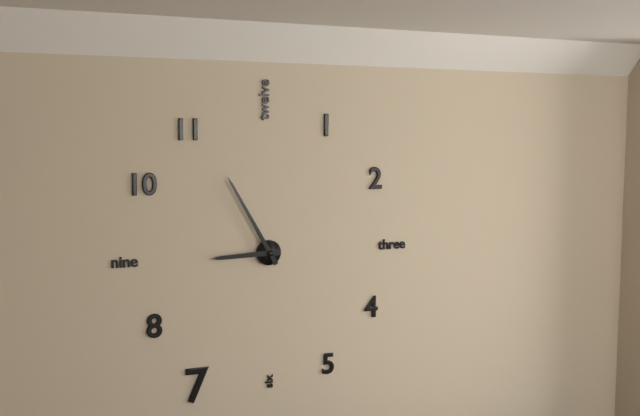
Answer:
8:55
